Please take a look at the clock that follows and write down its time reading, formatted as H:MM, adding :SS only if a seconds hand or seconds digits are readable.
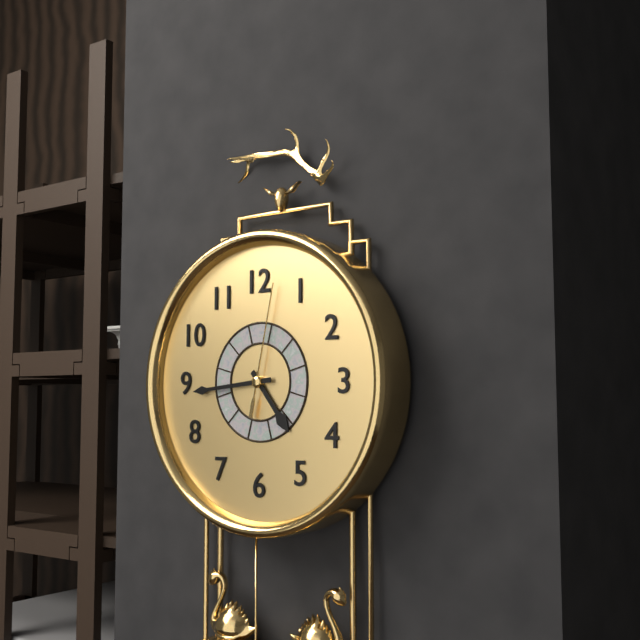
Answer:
4:44:02
